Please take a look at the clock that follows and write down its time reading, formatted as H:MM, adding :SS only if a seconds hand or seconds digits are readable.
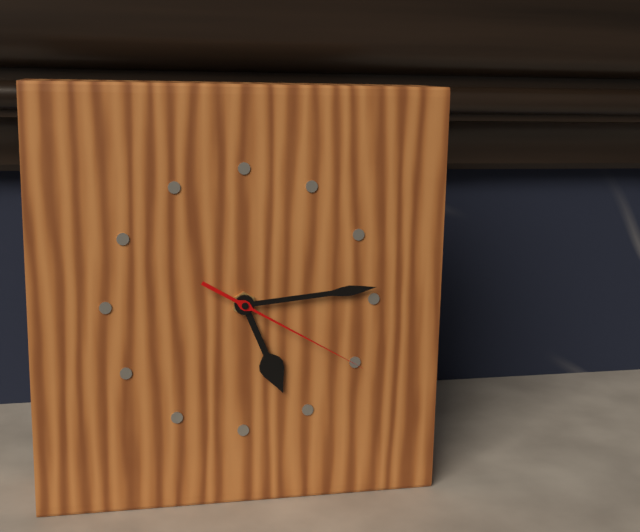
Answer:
5:14:20
